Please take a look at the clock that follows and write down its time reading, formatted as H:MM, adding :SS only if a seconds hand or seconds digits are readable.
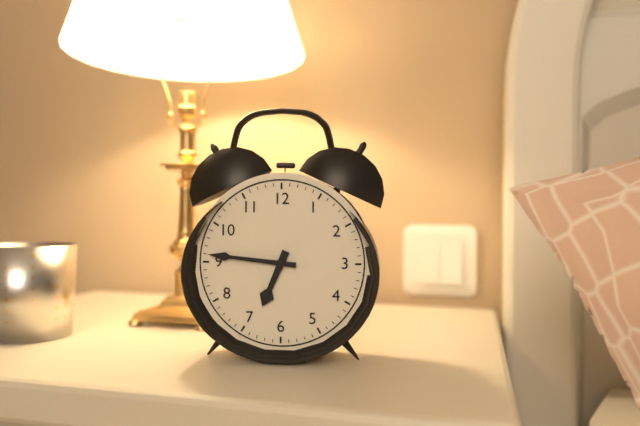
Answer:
6:46
